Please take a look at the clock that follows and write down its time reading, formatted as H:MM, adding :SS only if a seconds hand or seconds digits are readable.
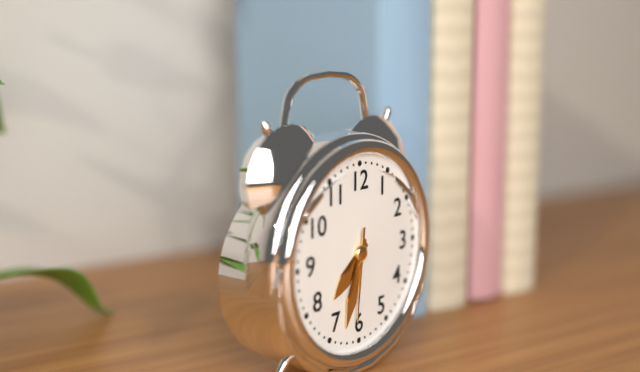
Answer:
7:33:31
